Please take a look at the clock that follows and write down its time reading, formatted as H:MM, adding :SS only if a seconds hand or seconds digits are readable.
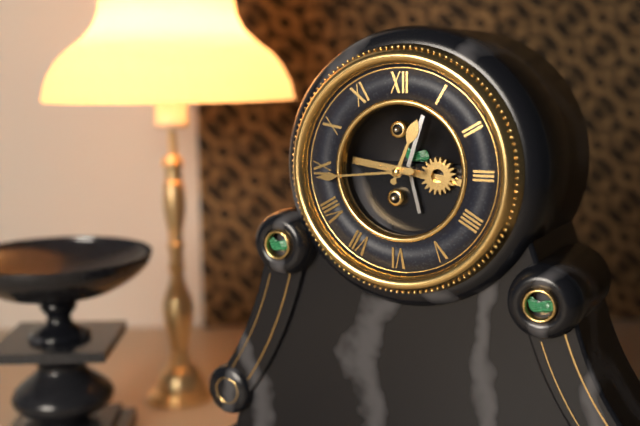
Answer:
12:44
